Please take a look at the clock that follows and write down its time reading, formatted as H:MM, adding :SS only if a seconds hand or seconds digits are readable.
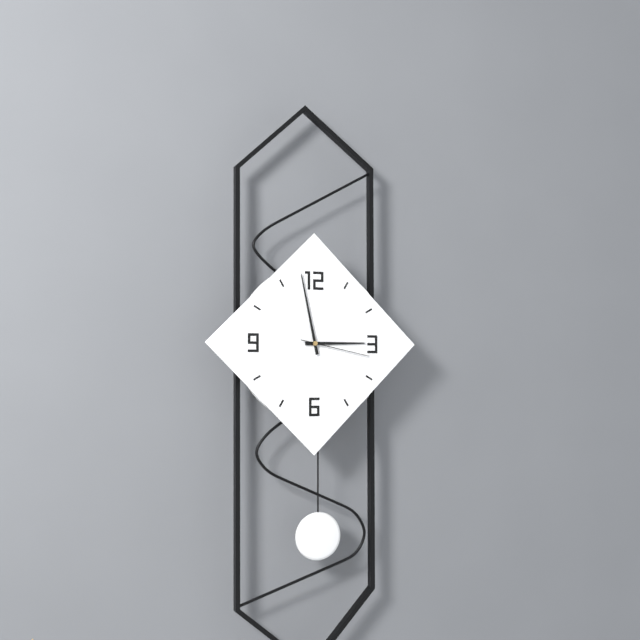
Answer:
2:58:17
